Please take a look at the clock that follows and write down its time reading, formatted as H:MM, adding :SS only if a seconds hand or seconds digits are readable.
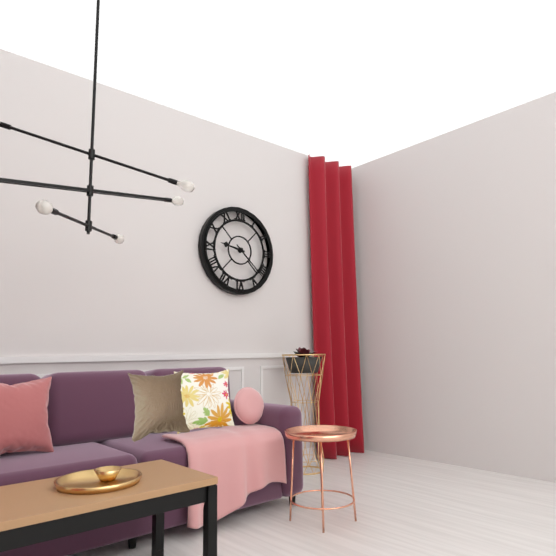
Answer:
9:22
